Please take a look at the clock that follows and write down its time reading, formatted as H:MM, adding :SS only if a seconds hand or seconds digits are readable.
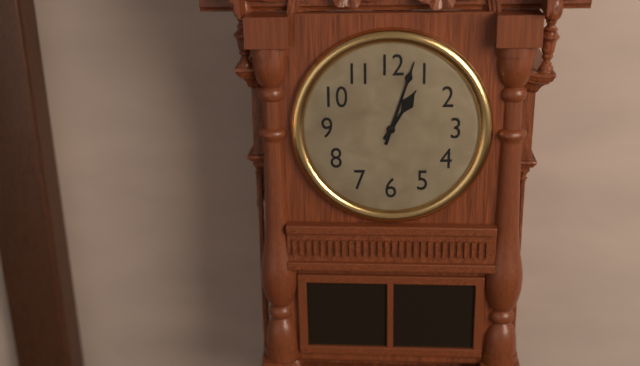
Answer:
1:03
